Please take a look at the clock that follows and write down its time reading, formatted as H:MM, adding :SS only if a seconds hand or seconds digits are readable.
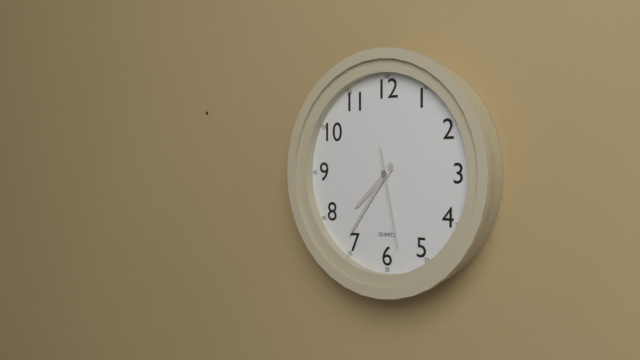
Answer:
7:36:28
